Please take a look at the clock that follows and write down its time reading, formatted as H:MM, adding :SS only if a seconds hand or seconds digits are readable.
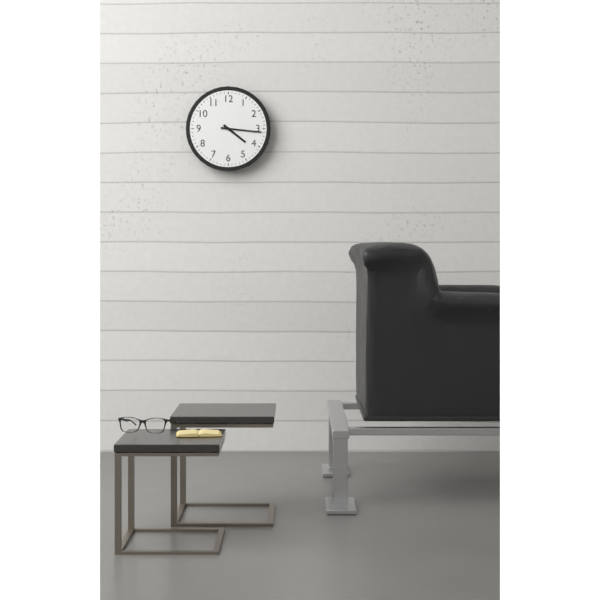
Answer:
4:16
